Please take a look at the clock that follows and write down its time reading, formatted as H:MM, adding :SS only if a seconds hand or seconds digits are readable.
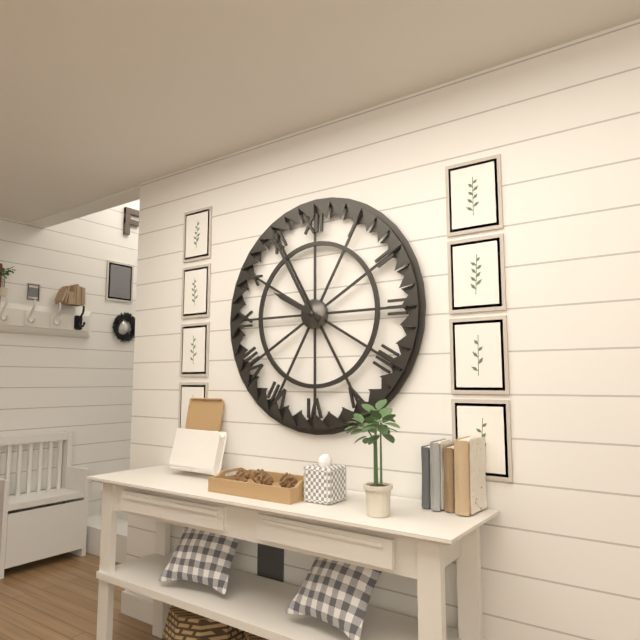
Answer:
9:55
